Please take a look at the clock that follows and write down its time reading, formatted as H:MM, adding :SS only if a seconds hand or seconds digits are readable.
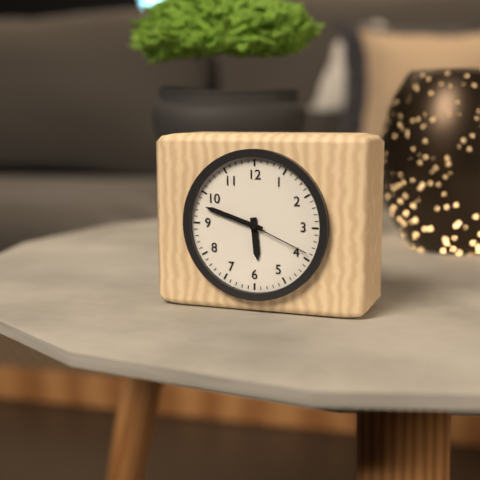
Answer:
5:48:19
